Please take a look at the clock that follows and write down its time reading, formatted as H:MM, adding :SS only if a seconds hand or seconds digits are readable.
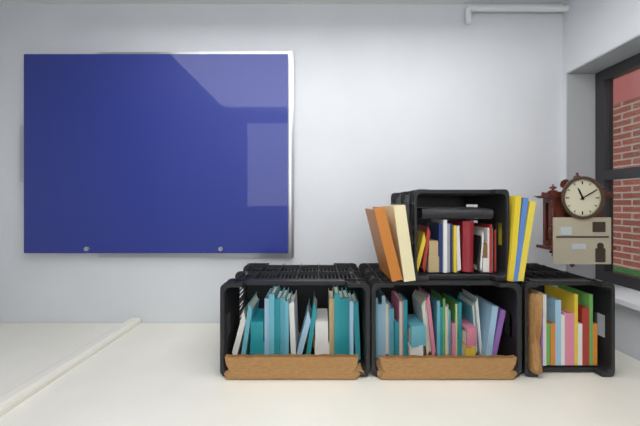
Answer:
11:10
